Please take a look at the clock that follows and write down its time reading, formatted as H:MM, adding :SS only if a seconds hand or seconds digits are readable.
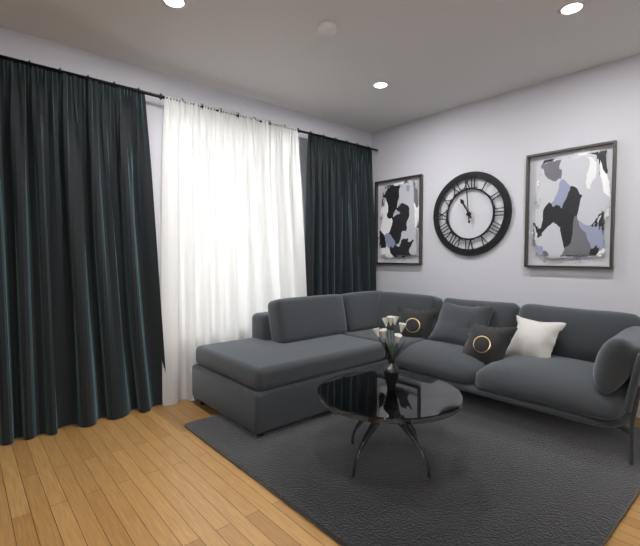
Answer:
10:59
